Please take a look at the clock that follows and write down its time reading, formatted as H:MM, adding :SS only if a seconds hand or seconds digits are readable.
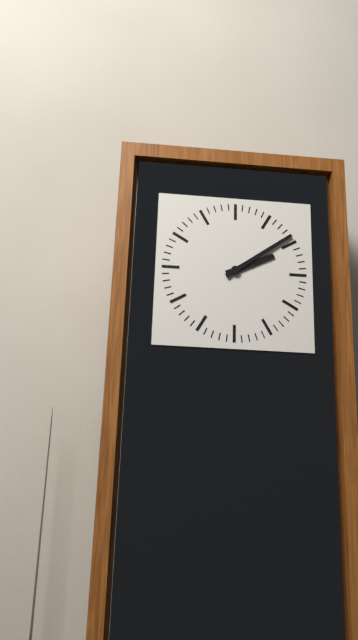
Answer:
2:09
